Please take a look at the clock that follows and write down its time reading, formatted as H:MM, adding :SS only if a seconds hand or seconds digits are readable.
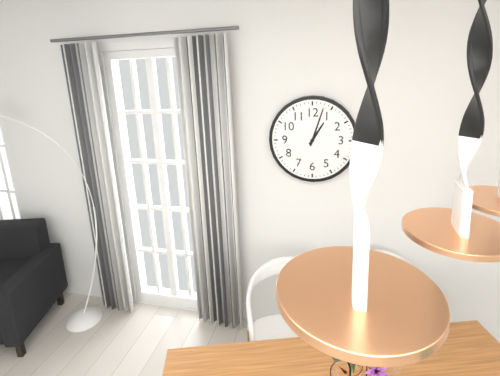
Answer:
1:03
